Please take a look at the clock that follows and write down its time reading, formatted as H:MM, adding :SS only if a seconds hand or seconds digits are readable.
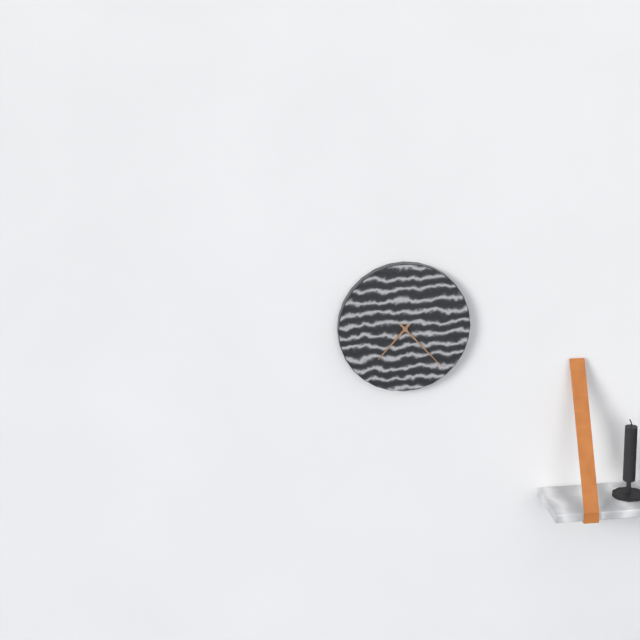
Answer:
7:23
